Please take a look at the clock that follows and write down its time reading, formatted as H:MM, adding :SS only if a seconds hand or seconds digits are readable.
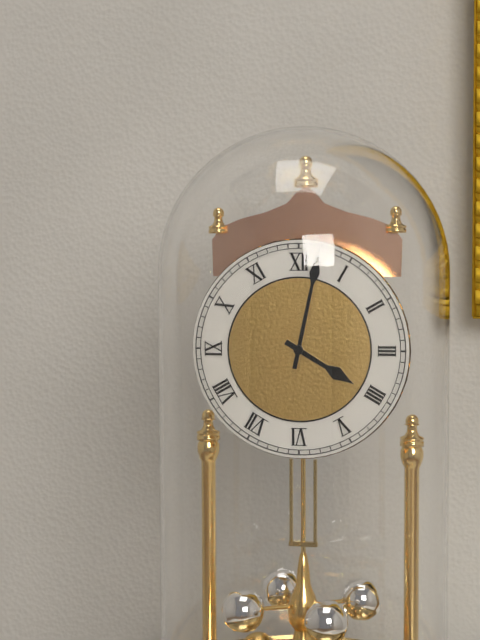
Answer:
4:02
